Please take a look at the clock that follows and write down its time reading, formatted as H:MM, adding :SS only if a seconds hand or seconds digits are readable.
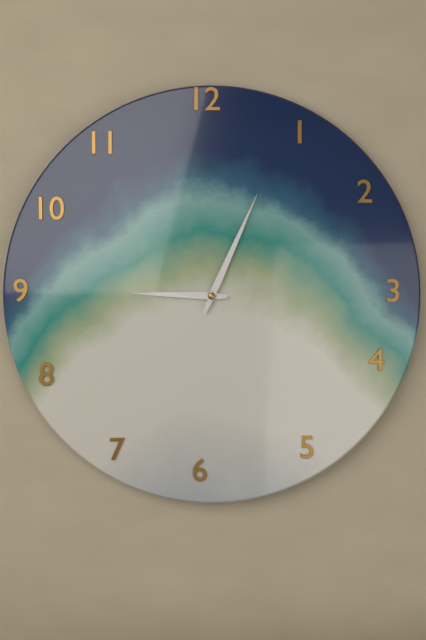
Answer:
9:04
